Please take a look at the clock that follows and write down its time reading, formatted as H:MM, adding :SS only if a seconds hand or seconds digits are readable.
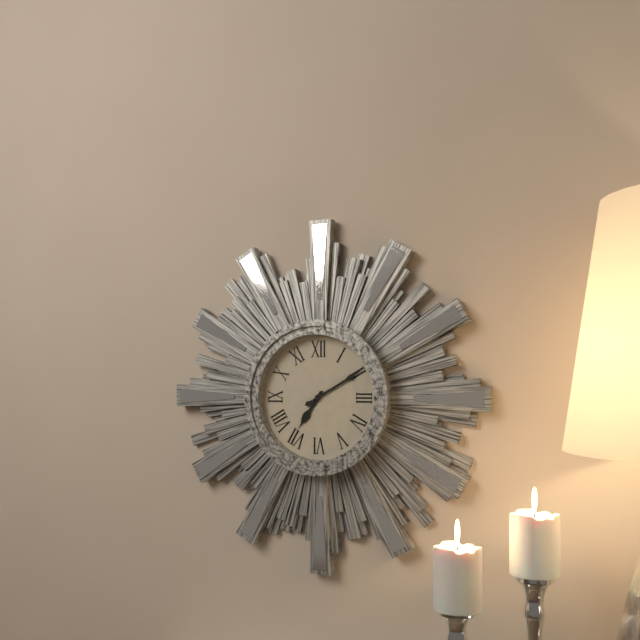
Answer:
7:10
